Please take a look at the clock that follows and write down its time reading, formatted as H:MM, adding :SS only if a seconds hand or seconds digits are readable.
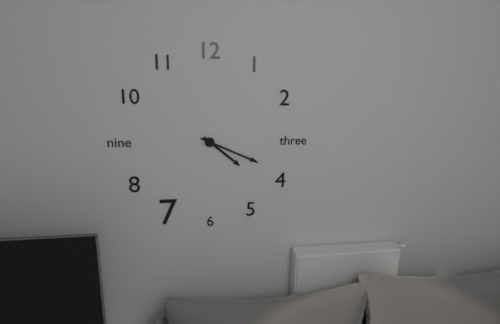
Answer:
4:19
